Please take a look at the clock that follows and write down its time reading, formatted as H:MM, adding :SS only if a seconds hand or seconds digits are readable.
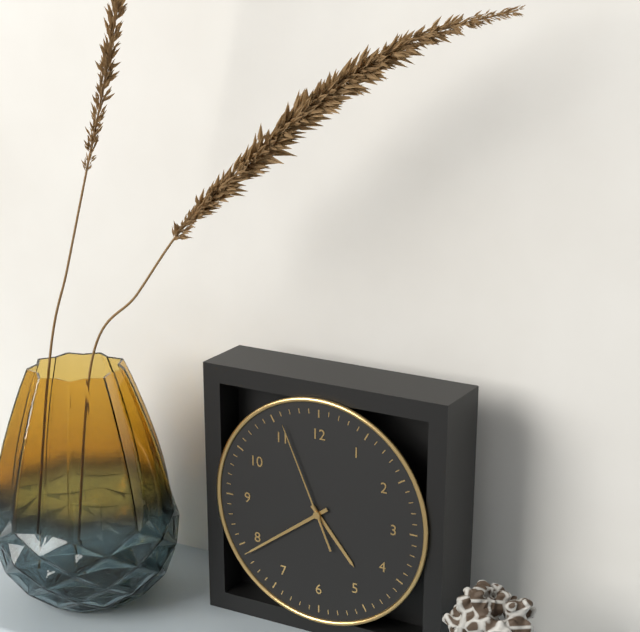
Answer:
4:39:56
